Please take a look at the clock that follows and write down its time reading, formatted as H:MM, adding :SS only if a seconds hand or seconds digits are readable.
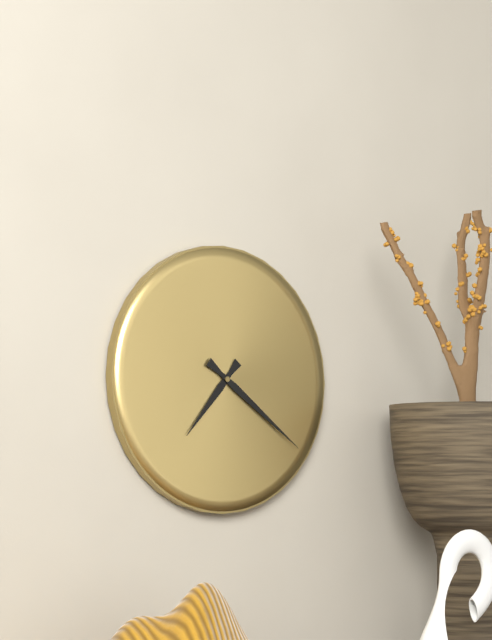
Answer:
7:21
